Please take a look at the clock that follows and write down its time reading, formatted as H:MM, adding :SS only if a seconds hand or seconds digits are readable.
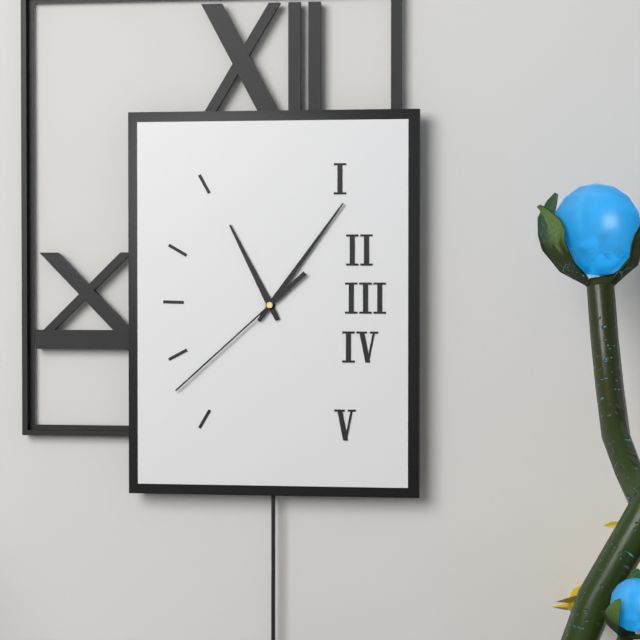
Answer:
11:06:38
